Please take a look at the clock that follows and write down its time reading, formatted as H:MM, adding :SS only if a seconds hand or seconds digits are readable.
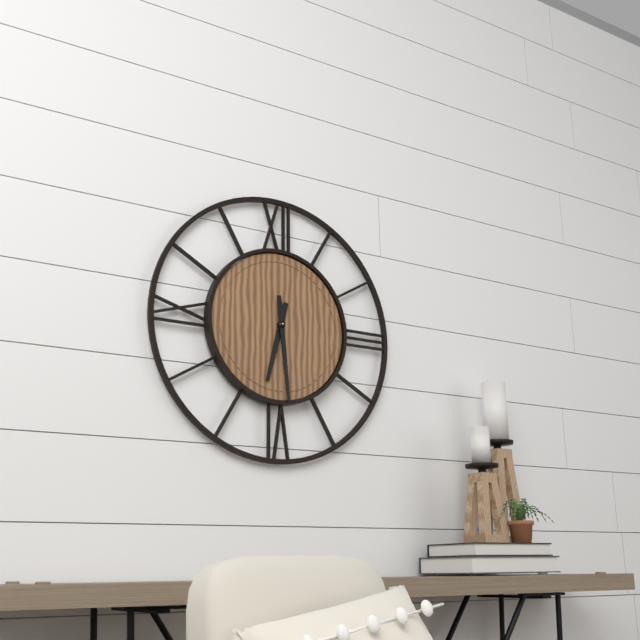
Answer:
6:29
